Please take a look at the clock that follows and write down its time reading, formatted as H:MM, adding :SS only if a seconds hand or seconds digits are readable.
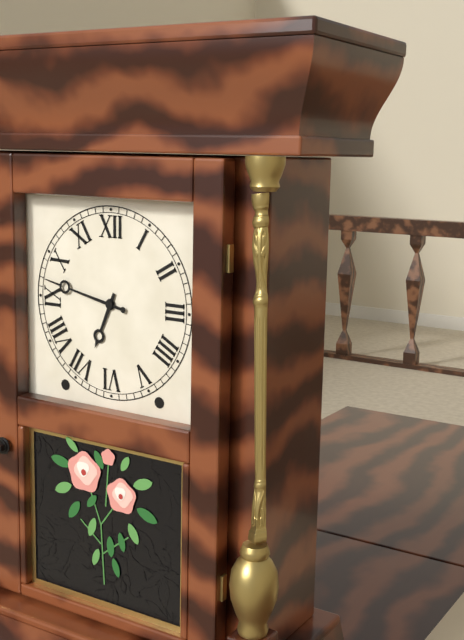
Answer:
6:47
